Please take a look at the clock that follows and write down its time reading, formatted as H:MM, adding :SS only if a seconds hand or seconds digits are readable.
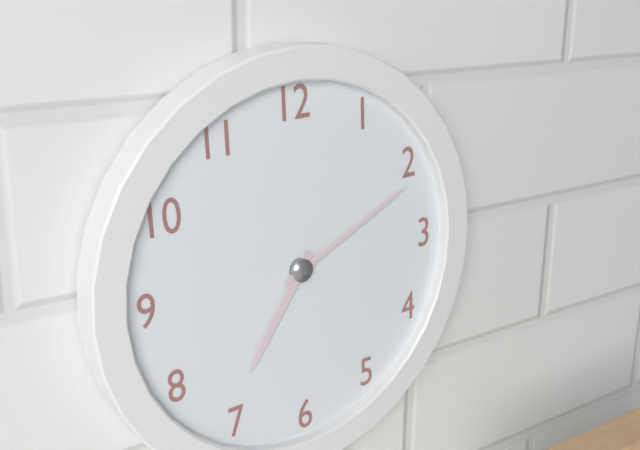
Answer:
7:11
